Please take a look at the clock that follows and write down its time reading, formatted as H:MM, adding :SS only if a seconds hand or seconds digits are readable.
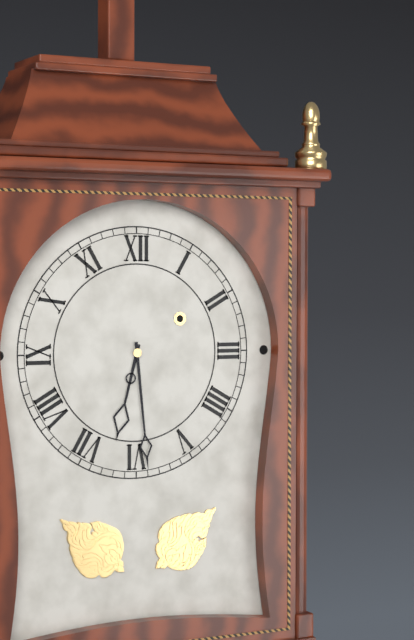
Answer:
6:29
